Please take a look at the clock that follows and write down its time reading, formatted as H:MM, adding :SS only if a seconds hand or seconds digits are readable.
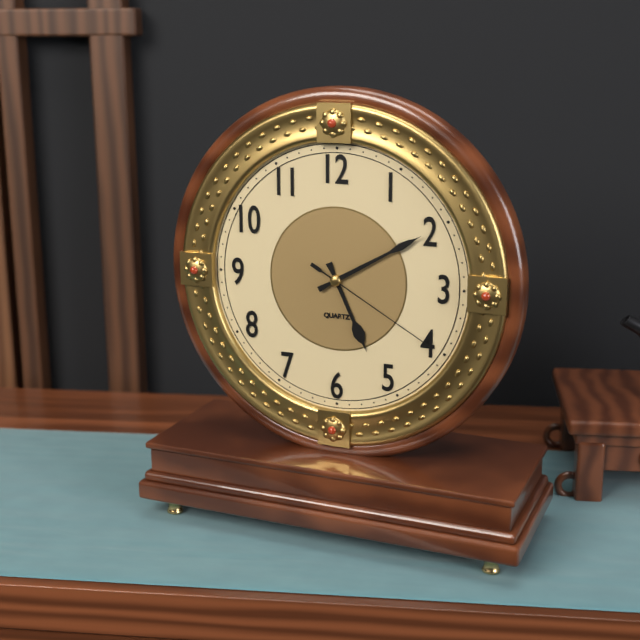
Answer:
5:10:20
